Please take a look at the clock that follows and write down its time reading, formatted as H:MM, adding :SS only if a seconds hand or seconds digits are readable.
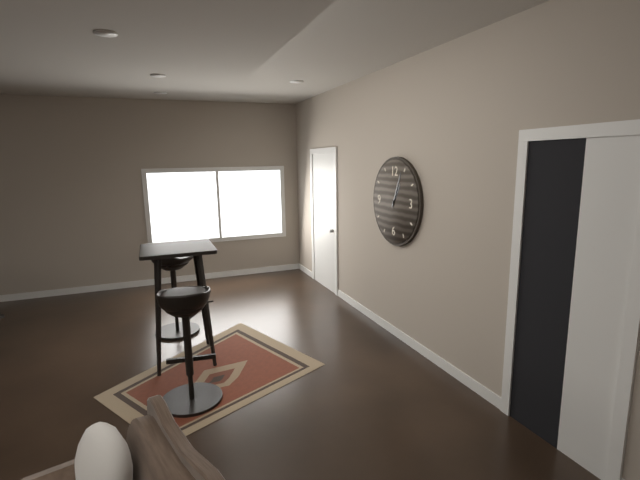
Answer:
1:04
